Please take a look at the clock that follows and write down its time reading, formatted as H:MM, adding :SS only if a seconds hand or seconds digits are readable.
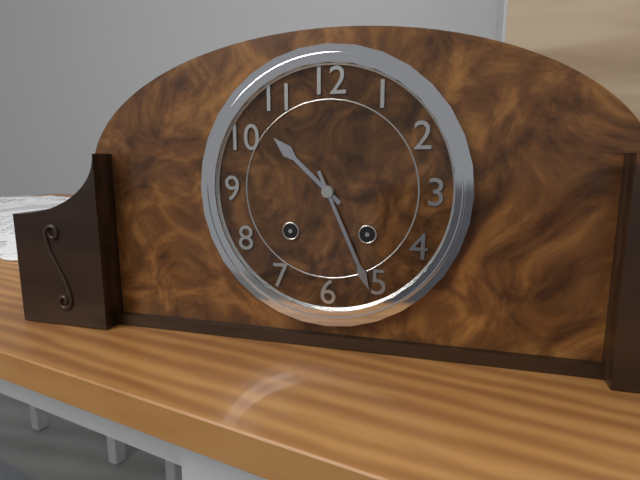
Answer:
10:26
